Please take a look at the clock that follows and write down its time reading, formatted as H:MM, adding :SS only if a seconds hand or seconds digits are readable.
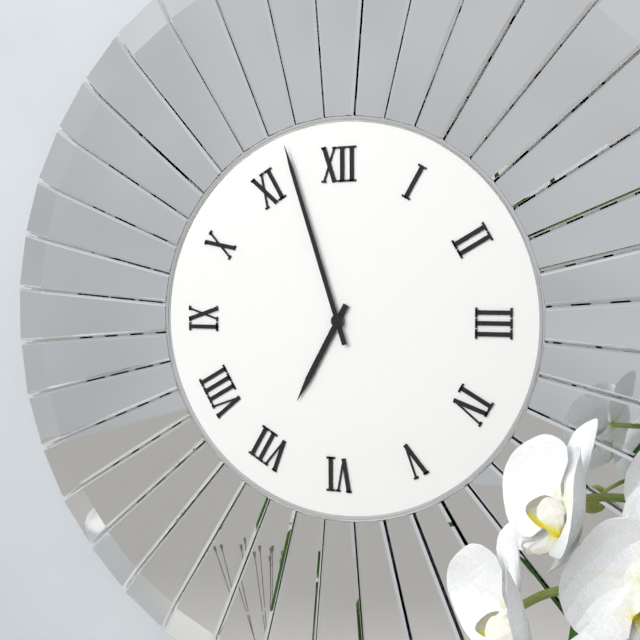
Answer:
6:57
